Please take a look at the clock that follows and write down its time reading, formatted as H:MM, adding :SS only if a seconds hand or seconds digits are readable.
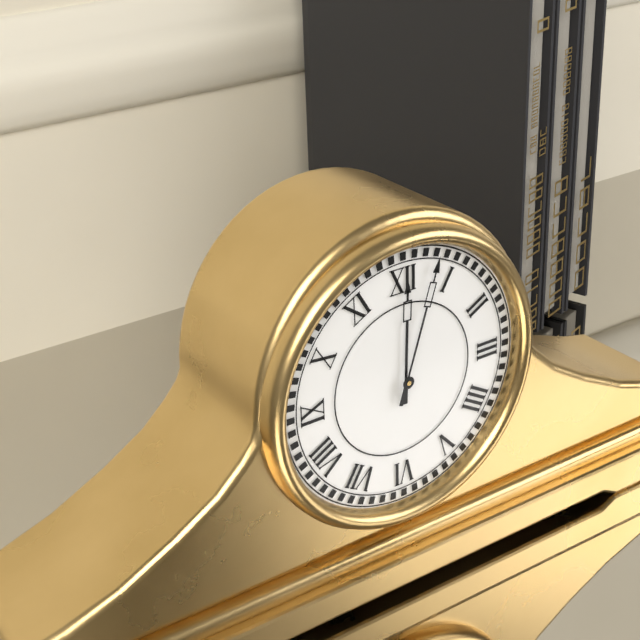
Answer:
12:03
